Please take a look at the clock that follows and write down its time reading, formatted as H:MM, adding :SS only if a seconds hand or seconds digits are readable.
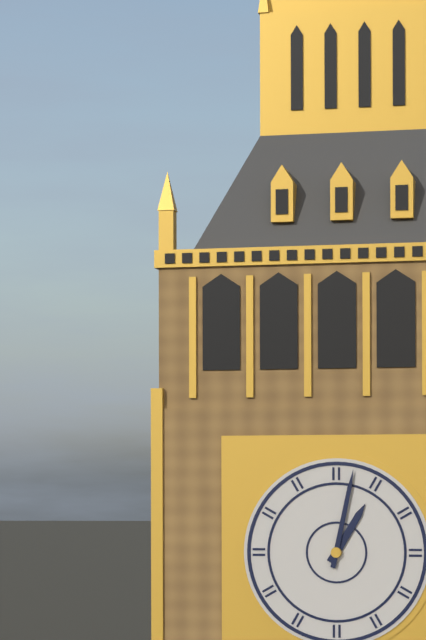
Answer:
1:02
